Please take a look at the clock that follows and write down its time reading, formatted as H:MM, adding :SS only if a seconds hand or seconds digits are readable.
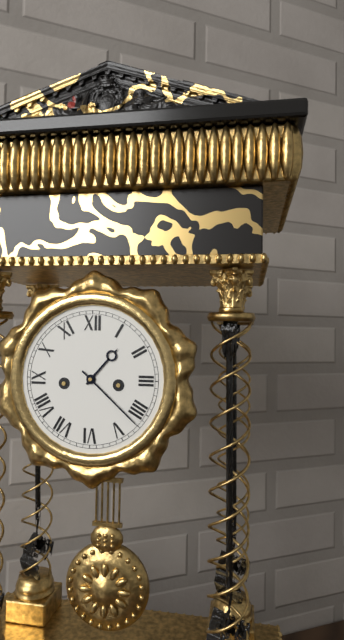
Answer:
1:22
